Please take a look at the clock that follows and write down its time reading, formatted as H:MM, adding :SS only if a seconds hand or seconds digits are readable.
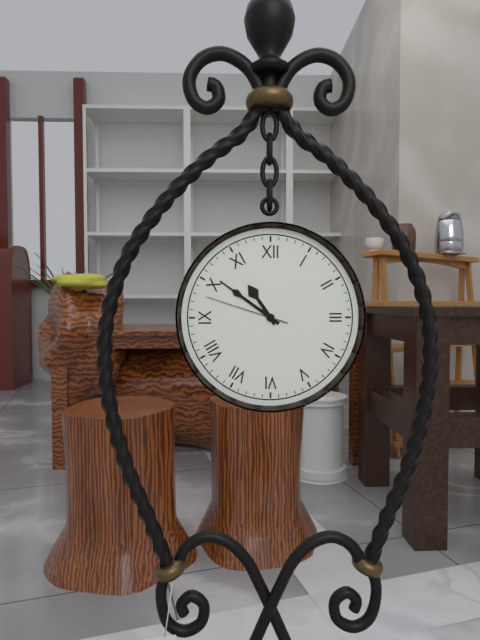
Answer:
10:51:48
